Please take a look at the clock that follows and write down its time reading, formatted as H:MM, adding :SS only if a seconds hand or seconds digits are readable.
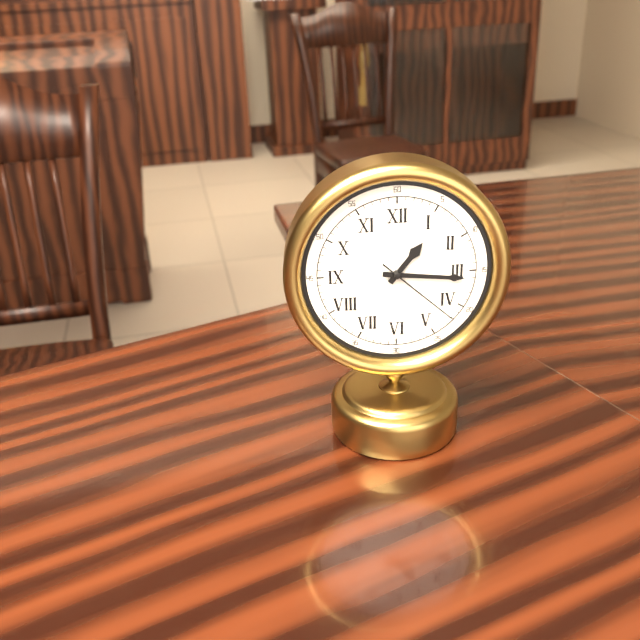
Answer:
1:16:22
